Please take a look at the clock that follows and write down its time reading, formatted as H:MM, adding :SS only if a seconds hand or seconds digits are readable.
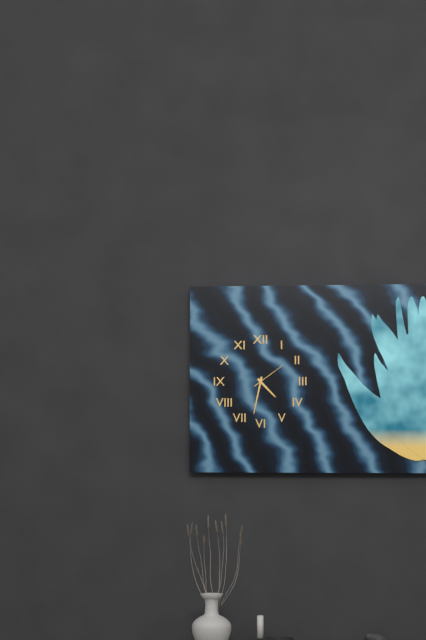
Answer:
4:32
